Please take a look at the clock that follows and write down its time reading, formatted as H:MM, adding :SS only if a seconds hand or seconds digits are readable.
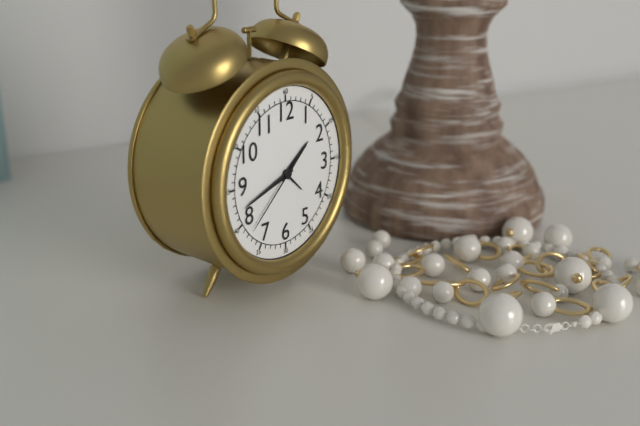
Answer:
1:42:38
